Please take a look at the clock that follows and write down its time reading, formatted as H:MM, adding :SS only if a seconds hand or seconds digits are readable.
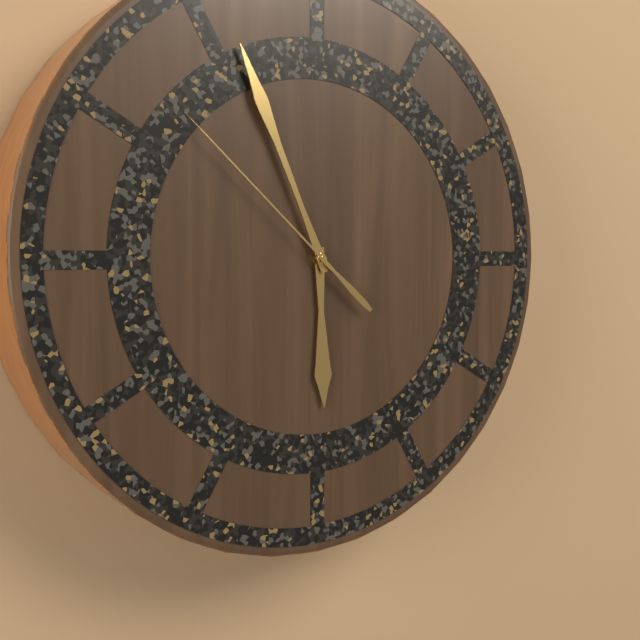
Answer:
5:56:52
